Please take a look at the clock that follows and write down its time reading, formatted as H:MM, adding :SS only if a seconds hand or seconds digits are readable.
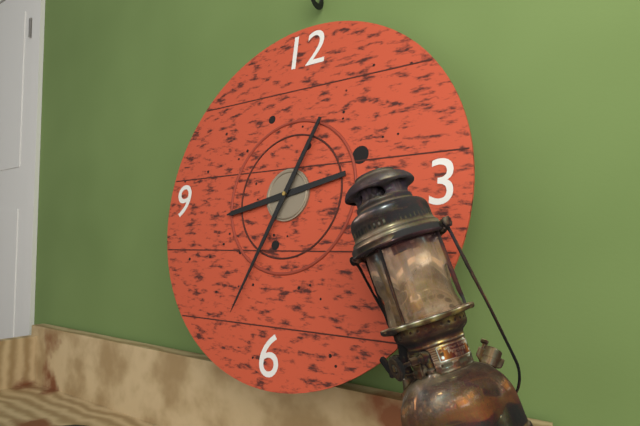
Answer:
8:34
